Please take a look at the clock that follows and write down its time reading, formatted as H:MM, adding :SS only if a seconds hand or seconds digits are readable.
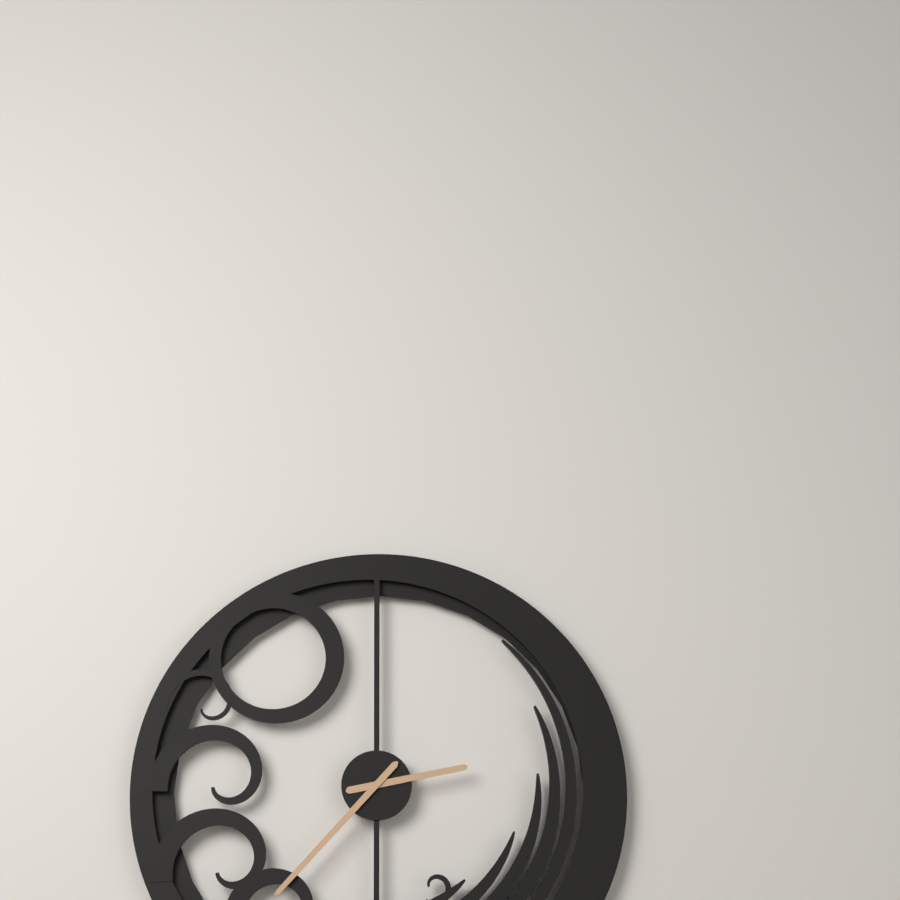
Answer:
2:37
